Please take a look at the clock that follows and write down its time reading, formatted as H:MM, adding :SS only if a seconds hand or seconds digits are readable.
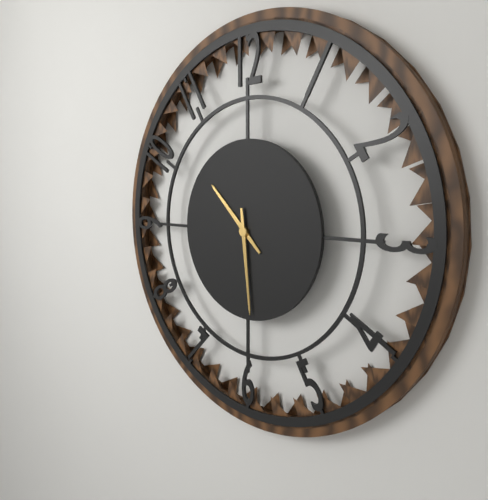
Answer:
10:29
